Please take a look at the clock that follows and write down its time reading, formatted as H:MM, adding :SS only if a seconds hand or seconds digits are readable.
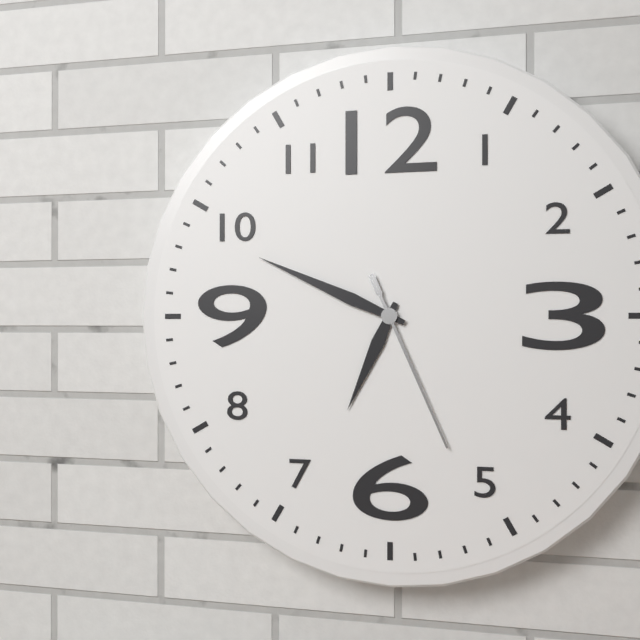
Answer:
6:49:26
